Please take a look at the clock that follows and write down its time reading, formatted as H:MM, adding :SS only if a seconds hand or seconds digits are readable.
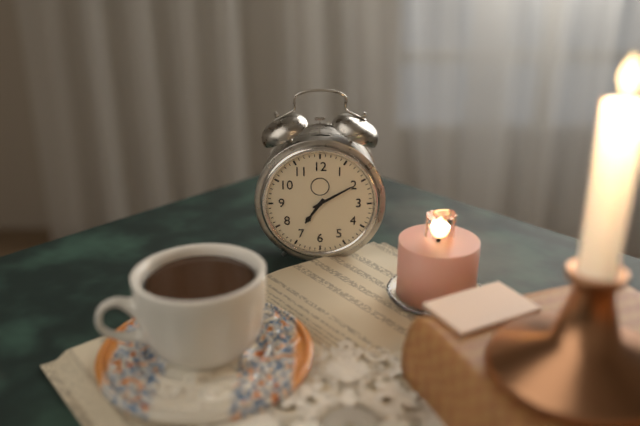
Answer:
7:10
